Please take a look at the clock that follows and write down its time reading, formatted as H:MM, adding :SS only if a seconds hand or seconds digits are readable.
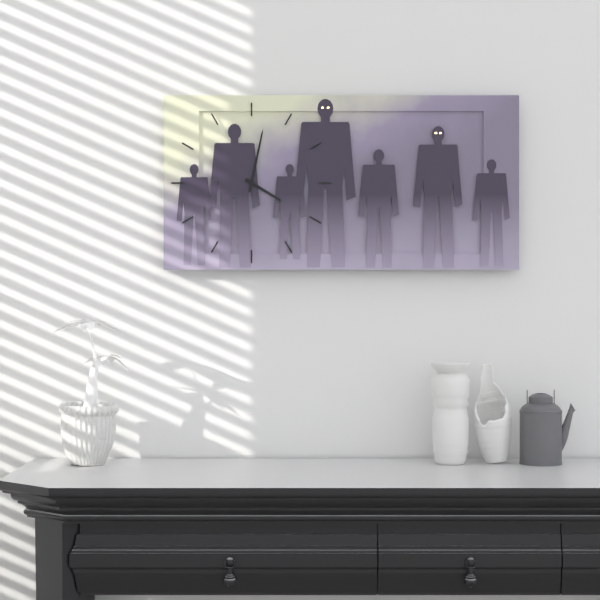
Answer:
4:02
